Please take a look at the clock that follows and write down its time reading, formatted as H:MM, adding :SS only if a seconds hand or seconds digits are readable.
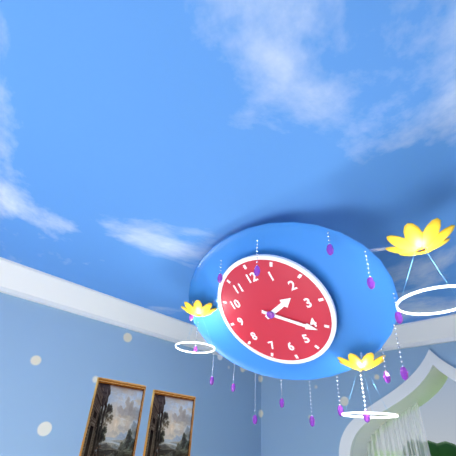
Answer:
2:21
